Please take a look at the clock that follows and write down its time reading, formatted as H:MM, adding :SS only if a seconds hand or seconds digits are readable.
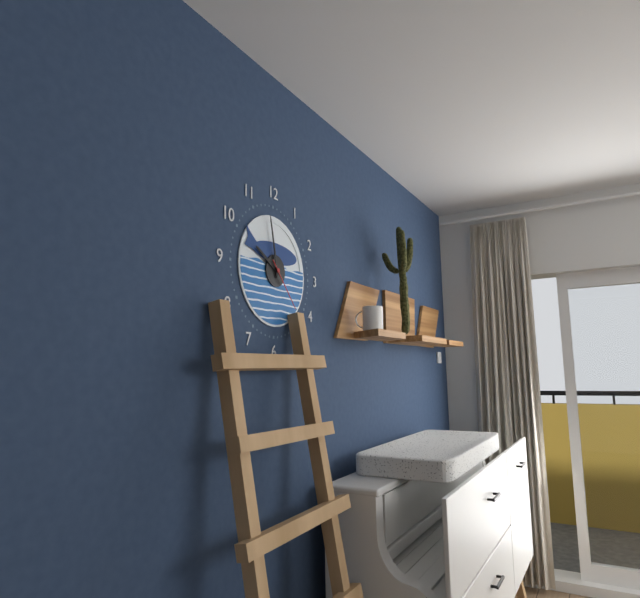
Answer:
9:58:23
